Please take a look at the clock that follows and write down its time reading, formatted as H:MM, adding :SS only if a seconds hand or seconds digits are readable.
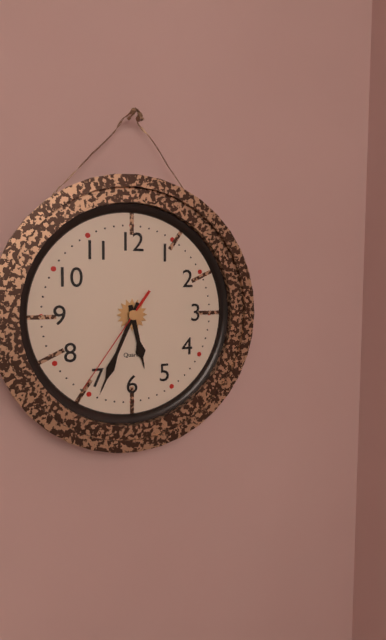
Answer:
5:34:36
